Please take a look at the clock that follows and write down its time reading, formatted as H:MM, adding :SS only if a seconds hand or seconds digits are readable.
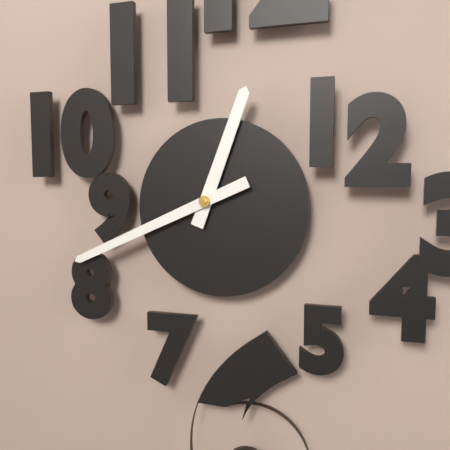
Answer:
12:41
